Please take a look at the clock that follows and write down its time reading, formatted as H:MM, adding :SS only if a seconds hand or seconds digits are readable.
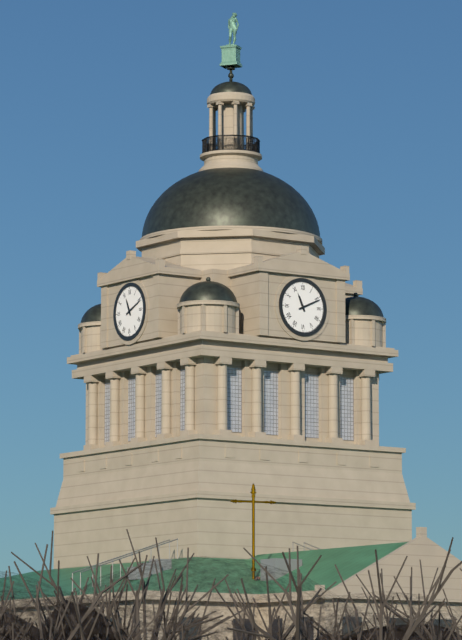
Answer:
11:11
